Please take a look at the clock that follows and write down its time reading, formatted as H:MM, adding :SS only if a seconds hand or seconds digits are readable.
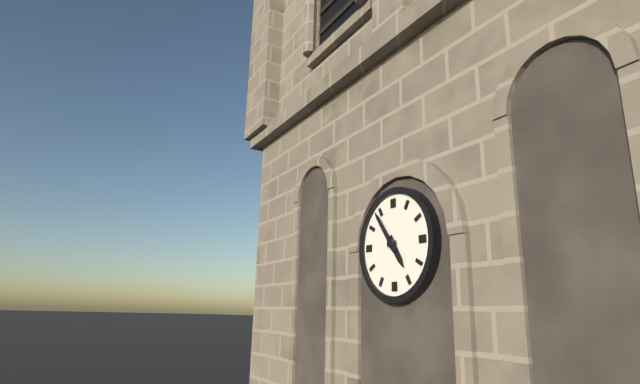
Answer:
4:54
